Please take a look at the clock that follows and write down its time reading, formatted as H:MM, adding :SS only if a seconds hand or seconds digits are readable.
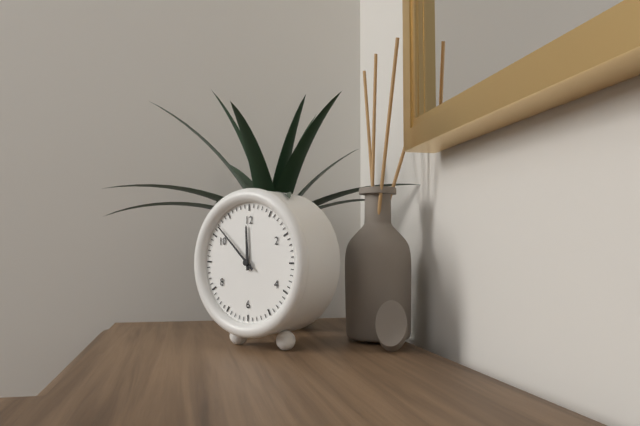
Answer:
11:52
